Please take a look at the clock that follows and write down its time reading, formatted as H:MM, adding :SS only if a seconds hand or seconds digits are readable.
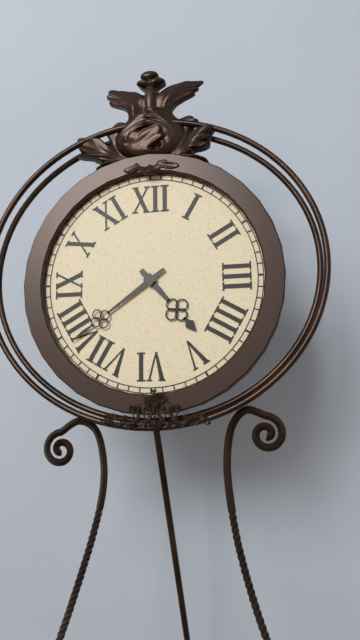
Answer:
4:39
